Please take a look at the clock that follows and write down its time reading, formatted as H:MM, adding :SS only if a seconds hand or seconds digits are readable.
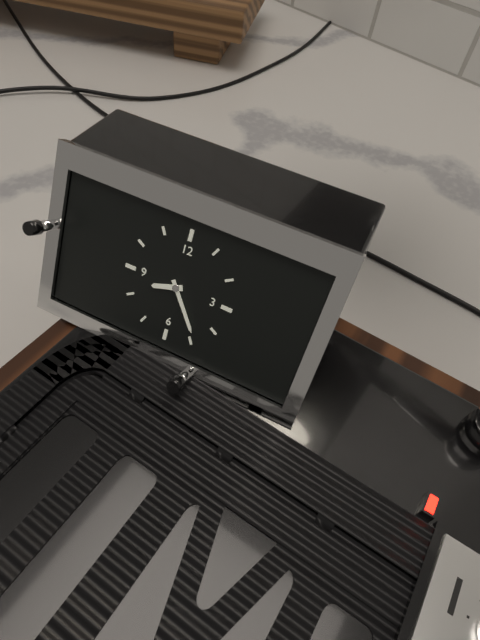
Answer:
8:24
